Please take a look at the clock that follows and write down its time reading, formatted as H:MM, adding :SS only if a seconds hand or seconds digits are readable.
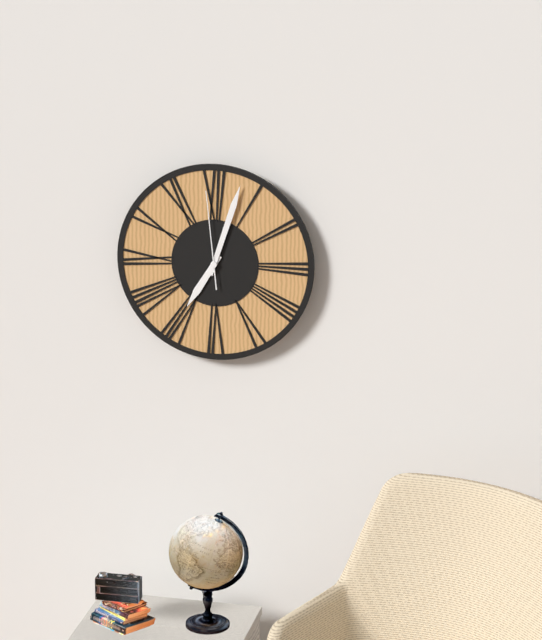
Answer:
7:03:59
